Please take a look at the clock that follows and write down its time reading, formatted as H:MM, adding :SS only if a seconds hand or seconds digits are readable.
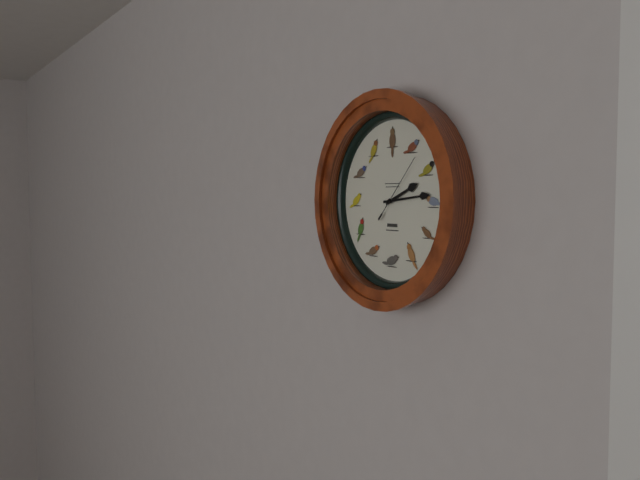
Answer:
2:14:07
